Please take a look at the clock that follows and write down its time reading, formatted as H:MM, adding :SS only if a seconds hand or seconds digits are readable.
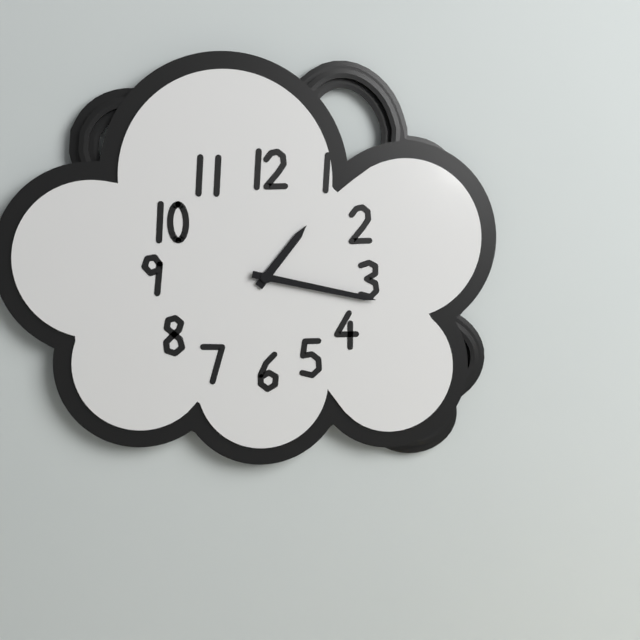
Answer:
1:17
